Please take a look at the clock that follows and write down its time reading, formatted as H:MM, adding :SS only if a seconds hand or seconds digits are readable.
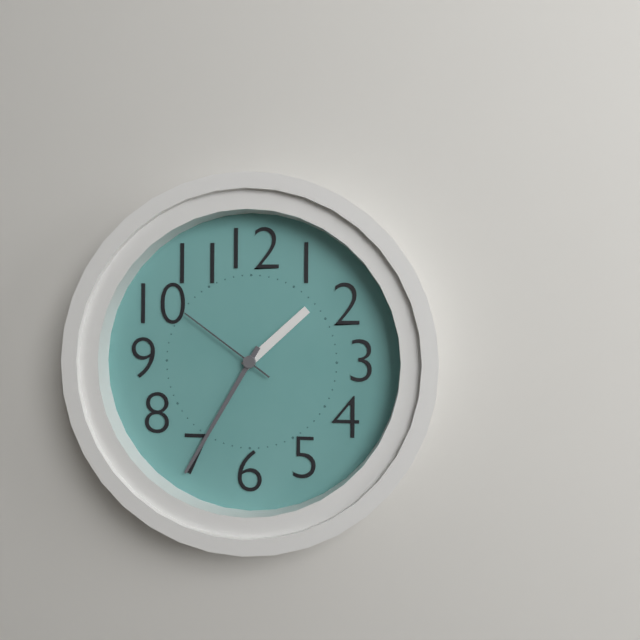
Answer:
1:35:51
